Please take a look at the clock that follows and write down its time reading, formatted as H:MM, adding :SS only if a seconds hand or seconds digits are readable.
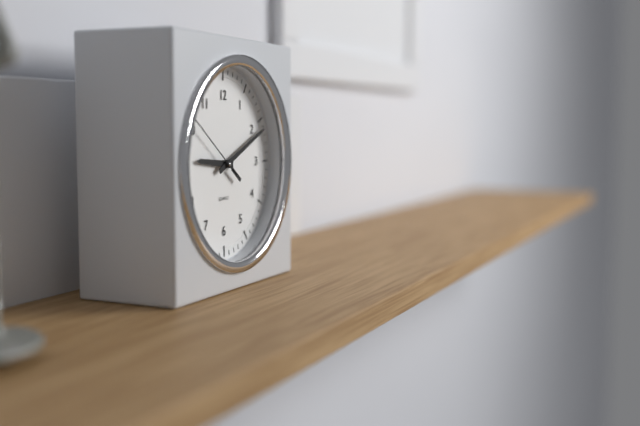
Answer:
9:11:51
